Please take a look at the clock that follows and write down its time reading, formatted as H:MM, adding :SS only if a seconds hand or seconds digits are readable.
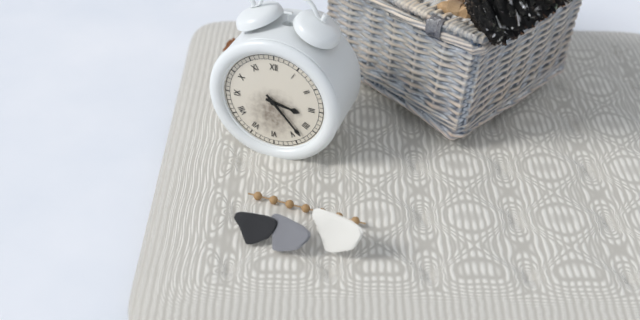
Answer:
3:23
